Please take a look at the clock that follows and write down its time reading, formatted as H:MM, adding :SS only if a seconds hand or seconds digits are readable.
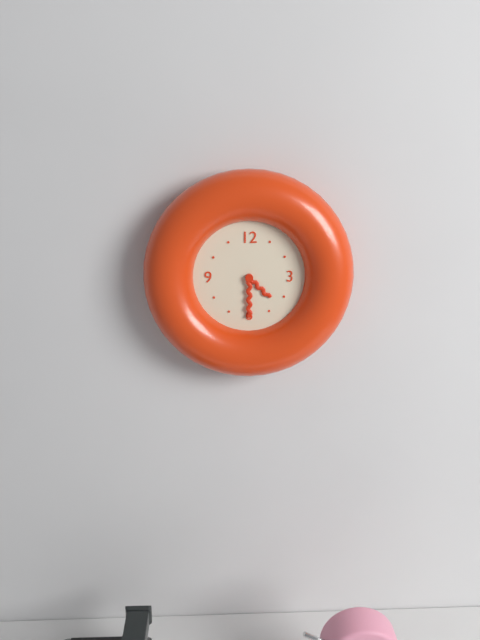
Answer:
4:30
